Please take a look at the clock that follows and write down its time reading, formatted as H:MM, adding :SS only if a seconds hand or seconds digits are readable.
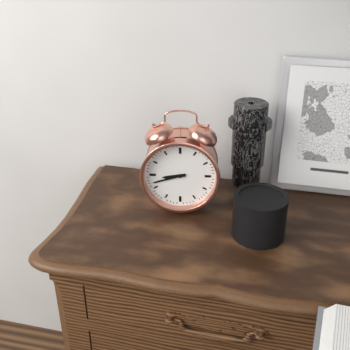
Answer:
8:42
